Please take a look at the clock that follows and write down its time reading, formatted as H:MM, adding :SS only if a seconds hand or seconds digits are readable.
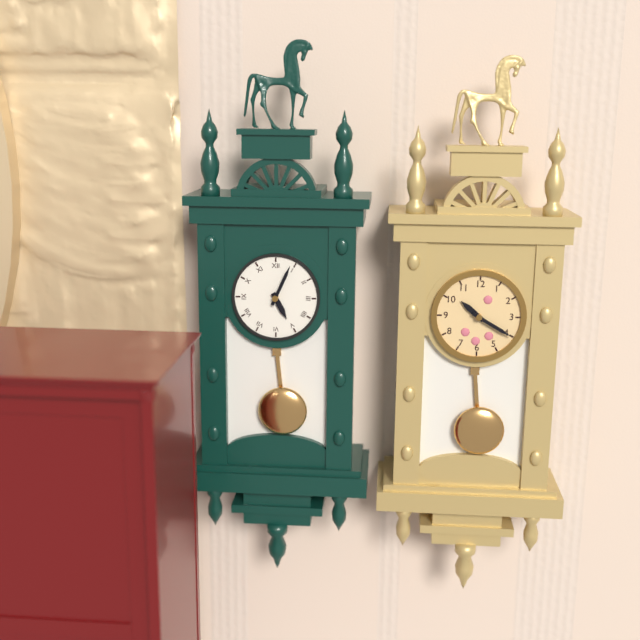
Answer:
5:04
